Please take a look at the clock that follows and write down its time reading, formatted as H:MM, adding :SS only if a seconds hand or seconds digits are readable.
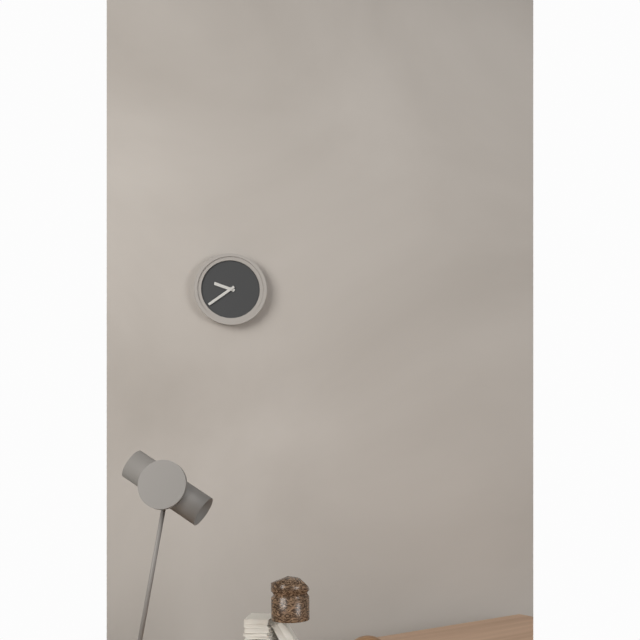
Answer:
9:39
